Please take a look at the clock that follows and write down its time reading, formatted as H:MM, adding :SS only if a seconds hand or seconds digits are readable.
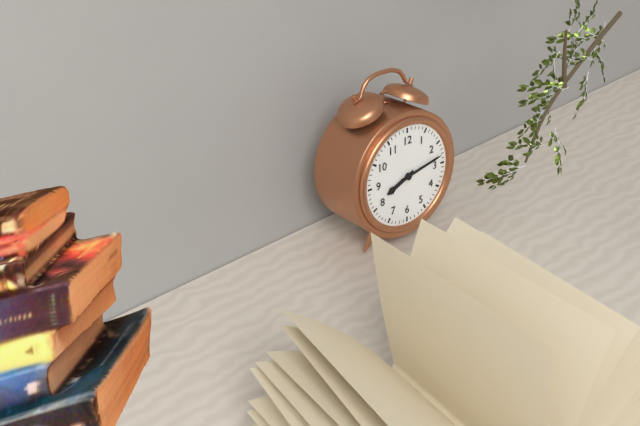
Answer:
8:13
